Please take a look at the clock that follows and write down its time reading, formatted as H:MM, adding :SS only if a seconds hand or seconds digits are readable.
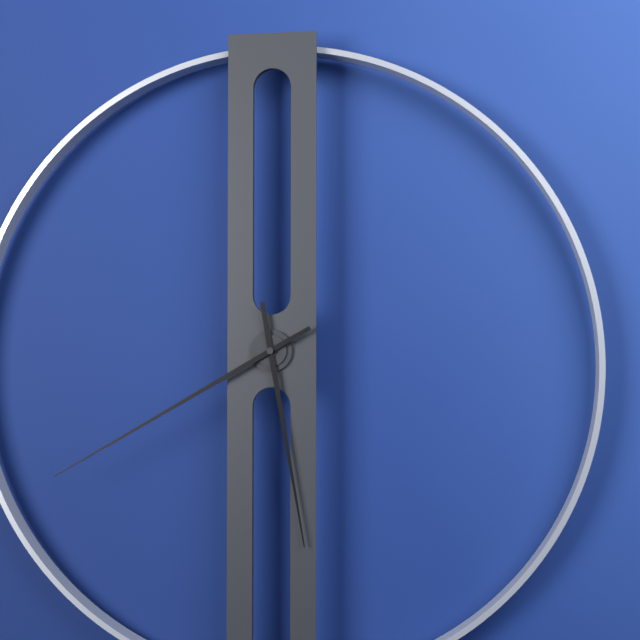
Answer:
5:40
